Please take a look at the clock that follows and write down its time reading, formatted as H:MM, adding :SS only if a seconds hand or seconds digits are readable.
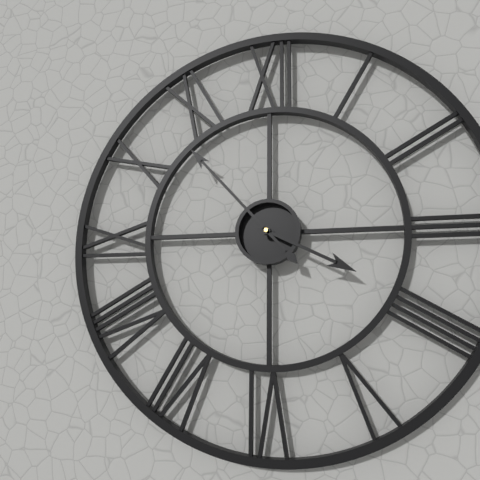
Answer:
3:53
